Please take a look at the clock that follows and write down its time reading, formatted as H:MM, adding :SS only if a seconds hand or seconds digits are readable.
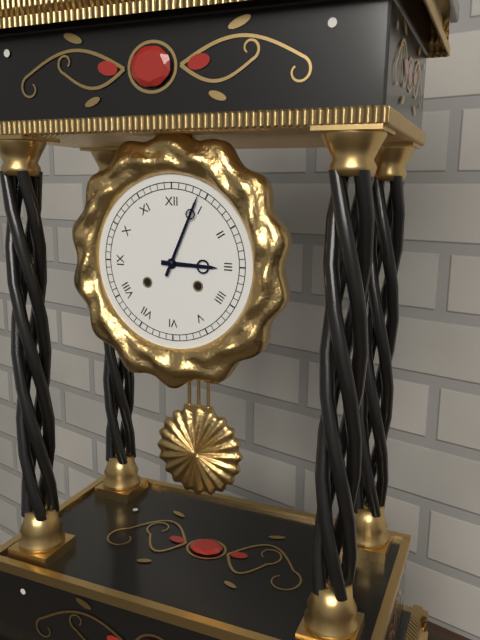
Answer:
3:04
